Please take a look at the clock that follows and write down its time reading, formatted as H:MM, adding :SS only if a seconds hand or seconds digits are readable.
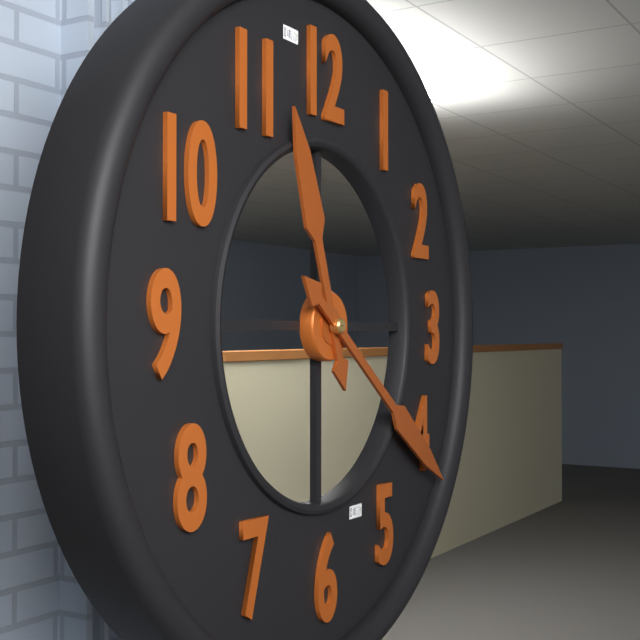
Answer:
11:21
